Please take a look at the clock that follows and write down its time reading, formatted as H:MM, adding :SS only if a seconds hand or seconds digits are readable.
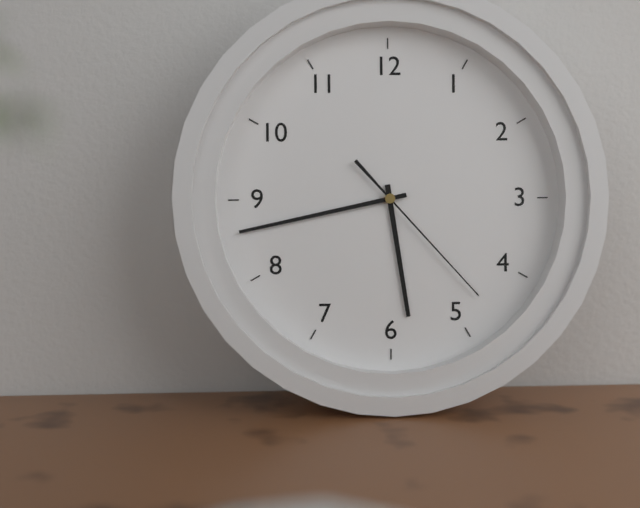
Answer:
5:43:23
